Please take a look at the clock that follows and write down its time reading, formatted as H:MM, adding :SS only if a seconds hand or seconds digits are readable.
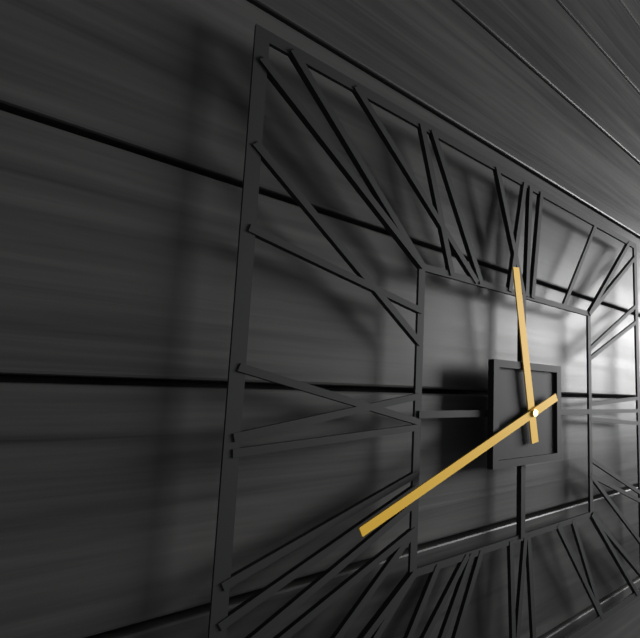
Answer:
11:41
